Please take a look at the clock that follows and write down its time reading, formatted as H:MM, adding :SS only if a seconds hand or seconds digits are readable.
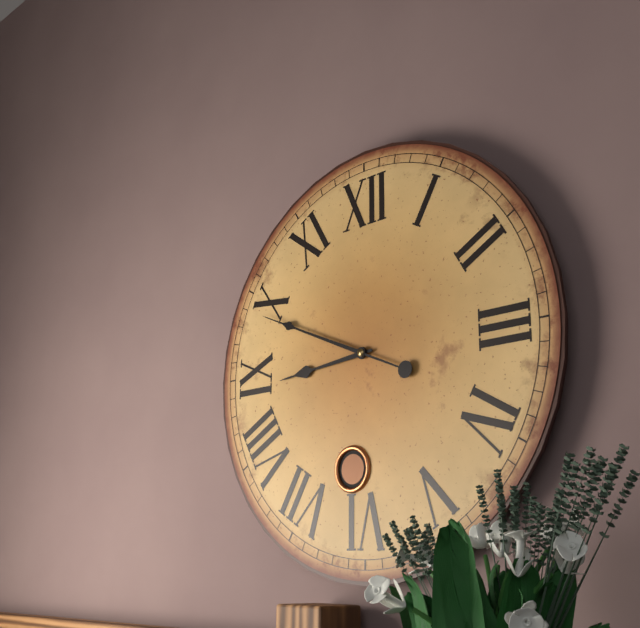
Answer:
8:49
